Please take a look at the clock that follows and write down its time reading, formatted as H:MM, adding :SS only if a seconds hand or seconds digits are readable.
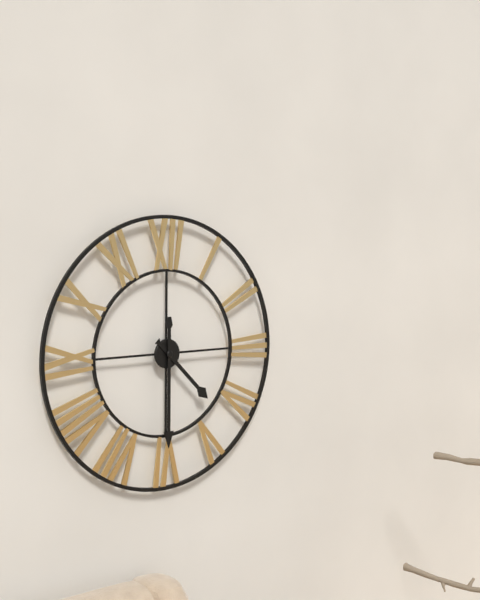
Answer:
4:30
